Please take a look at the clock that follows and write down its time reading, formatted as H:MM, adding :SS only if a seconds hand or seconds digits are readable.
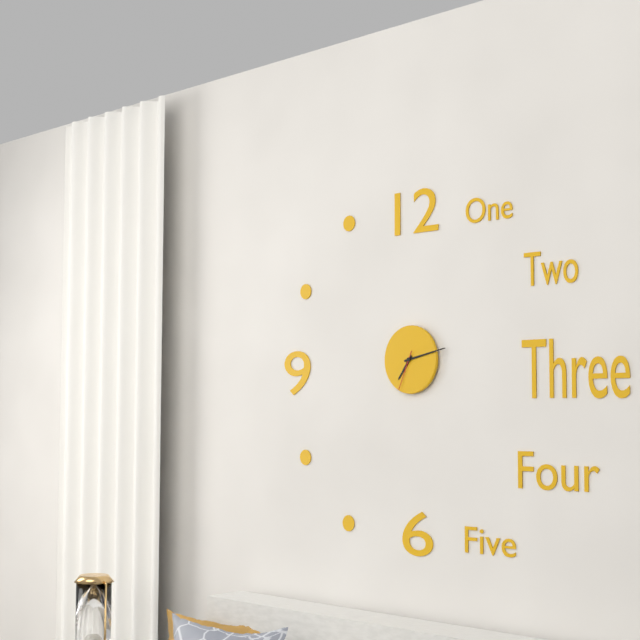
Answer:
7:13
